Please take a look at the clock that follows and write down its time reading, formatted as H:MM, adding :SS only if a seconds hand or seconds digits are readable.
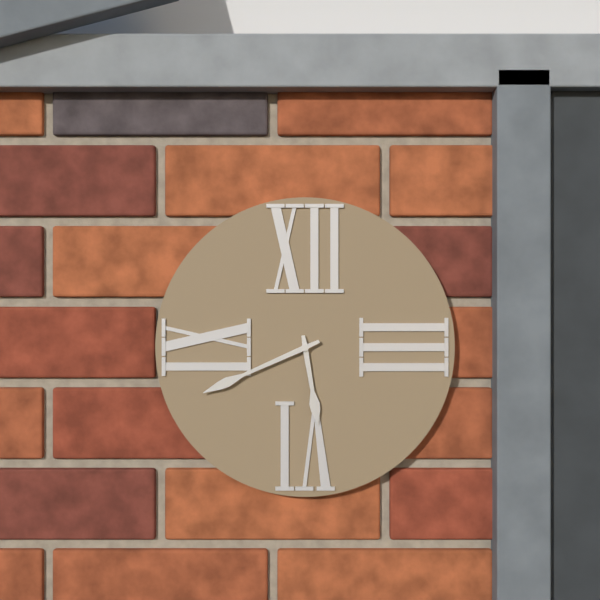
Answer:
5:41
